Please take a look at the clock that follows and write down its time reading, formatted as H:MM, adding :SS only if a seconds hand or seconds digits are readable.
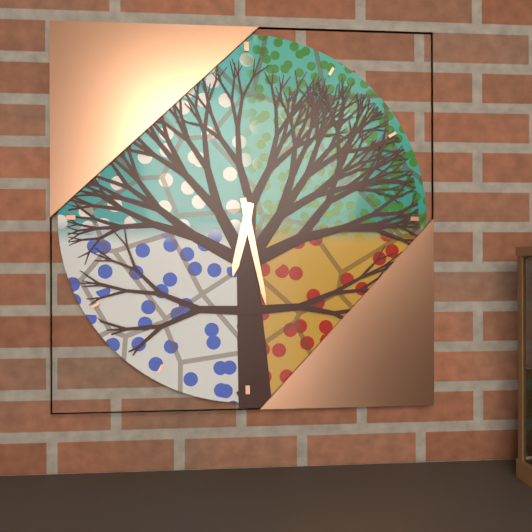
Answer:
6:28
